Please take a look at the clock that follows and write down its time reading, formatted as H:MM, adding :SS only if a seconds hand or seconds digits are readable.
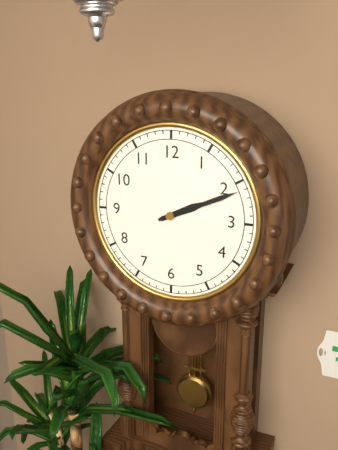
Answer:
2:11
